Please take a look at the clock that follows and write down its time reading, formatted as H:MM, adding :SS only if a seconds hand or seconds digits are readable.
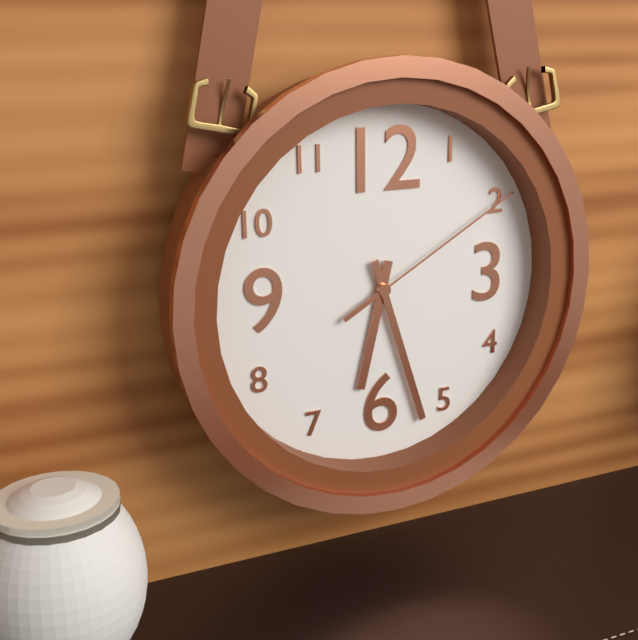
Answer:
6:27:10
